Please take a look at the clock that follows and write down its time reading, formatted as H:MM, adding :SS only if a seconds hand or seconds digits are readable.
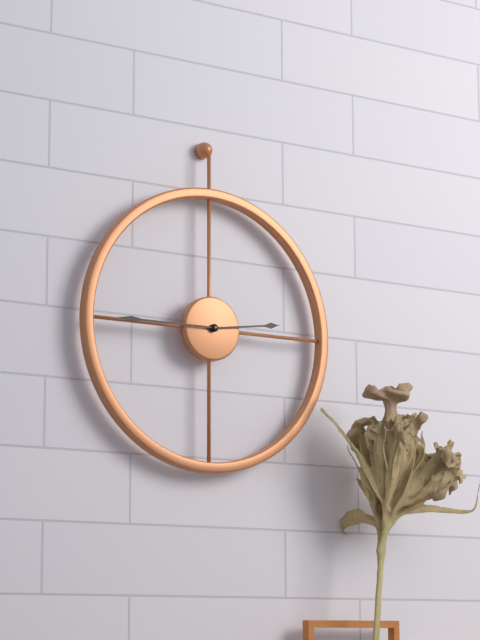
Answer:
2:45
